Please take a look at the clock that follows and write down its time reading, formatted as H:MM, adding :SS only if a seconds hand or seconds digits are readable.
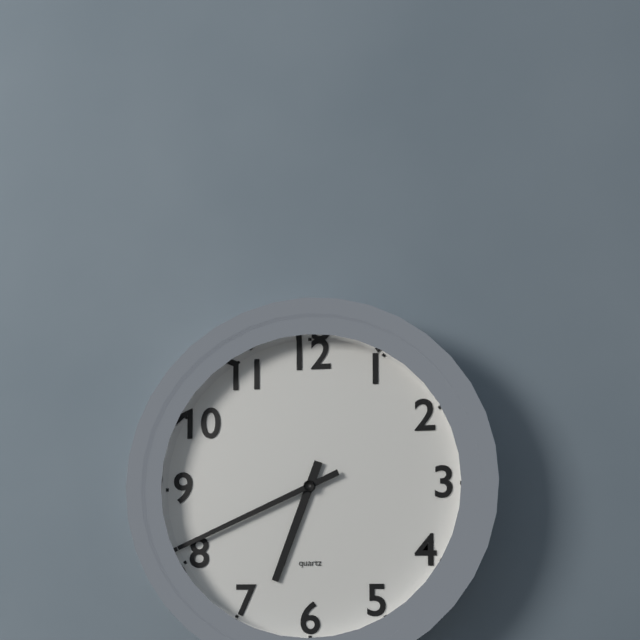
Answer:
6:41
